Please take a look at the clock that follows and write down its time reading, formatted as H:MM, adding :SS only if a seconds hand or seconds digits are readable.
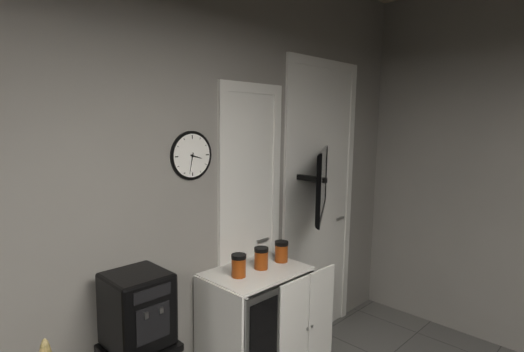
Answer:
3:32
